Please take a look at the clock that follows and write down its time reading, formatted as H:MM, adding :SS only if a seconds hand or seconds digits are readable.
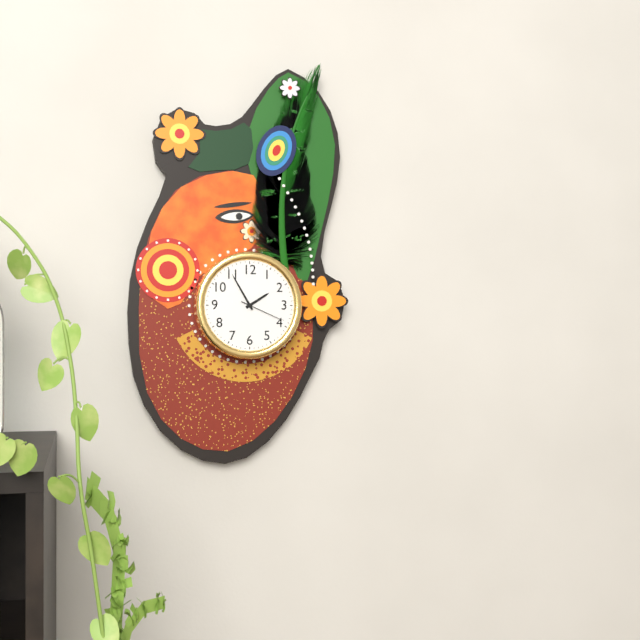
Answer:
1:55
